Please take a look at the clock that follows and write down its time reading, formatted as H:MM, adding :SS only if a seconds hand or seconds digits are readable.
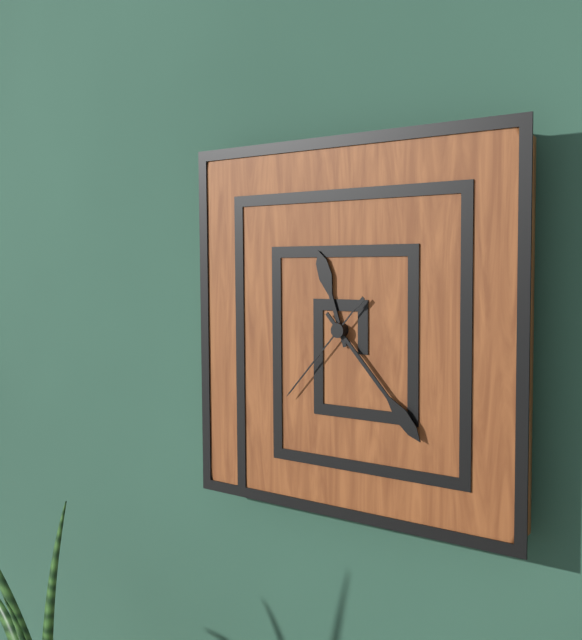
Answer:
11:23:37
